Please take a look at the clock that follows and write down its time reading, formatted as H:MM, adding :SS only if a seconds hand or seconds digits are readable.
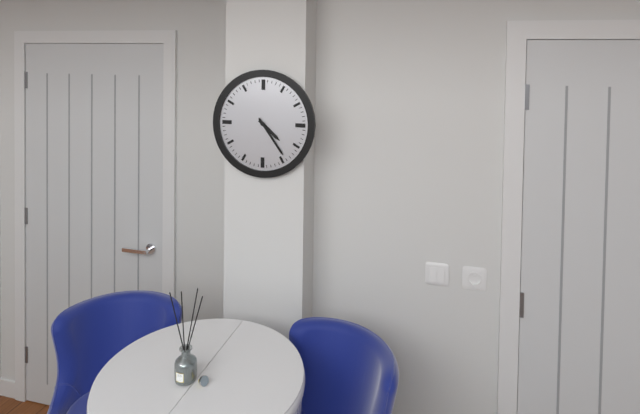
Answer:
4:24
